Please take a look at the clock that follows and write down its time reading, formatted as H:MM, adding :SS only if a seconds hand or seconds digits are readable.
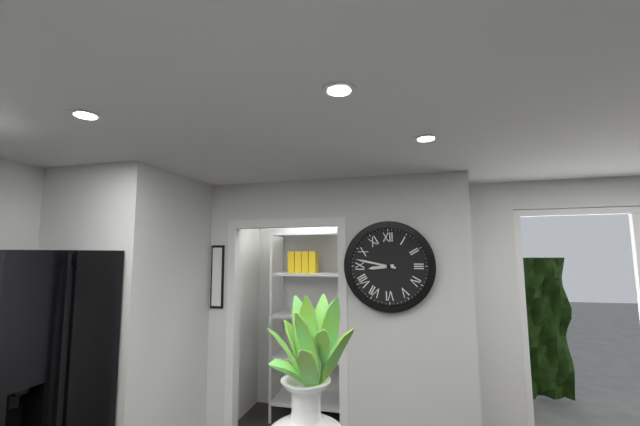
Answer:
8:47
